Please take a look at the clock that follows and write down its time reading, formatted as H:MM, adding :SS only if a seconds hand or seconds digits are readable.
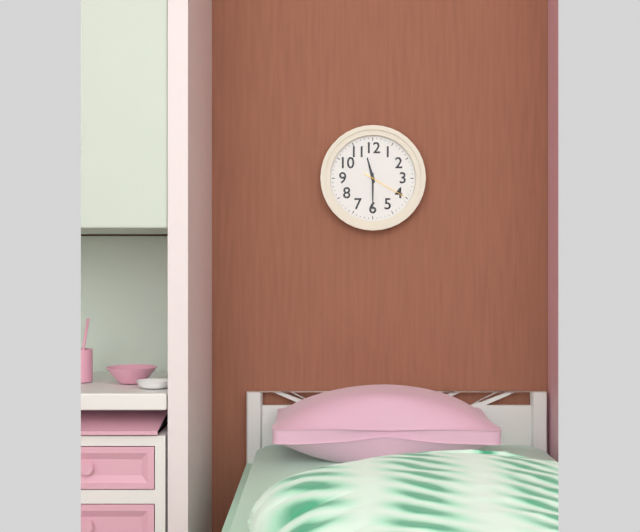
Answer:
11:30
